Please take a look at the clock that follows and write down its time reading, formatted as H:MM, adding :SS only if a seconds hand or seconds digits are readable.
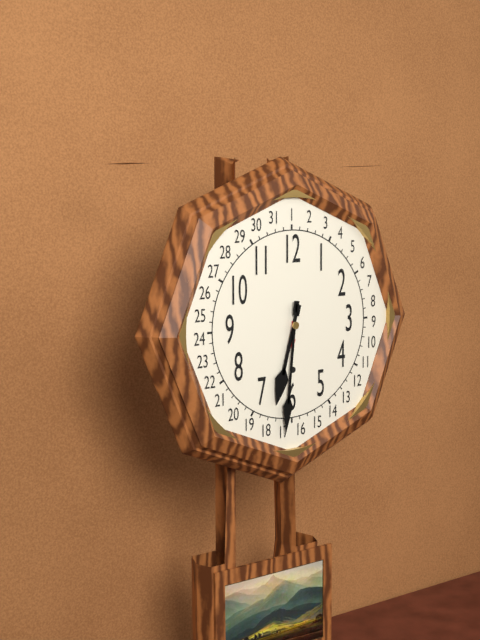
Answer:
6:31
